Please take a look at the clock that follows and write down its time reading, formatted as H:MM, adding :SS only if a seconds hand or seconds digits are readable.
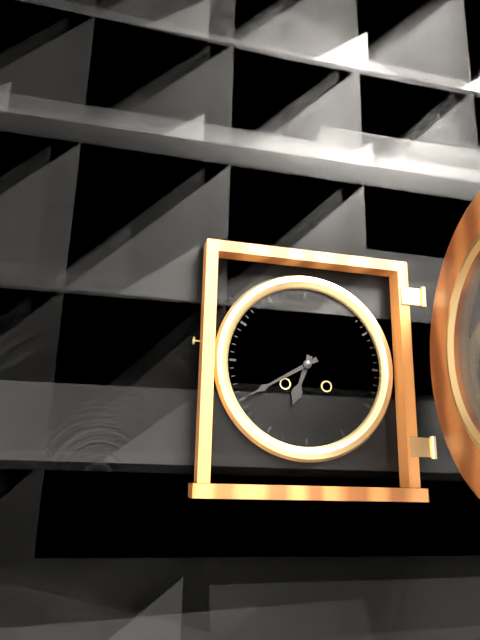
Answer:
6:40
